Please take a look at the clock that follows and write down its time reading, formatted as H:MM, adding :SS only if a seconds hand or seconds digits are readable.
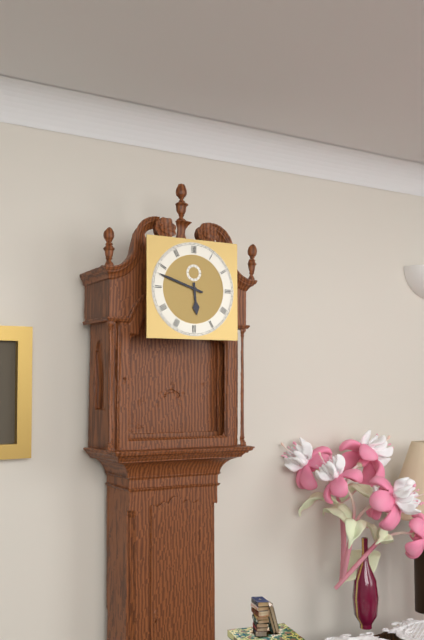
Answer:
5:48
